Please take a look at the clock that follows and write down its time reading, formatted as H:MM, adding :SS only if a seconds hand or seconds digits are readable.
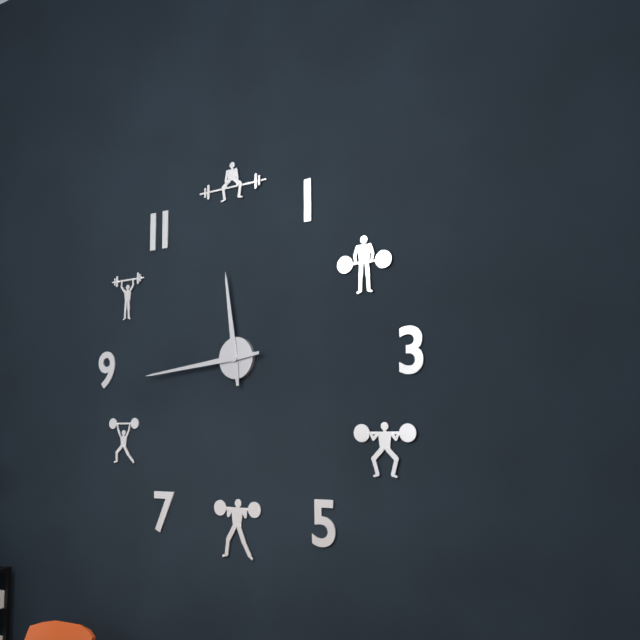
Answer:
11:44
